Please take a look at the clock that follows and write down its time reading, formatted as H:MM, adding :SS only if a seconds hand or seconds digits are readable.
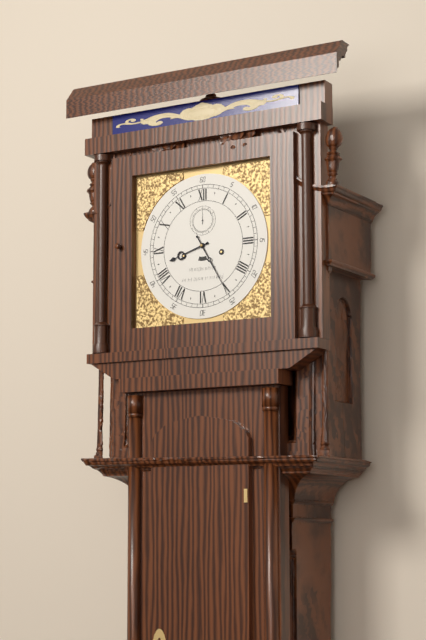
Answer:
8:25
